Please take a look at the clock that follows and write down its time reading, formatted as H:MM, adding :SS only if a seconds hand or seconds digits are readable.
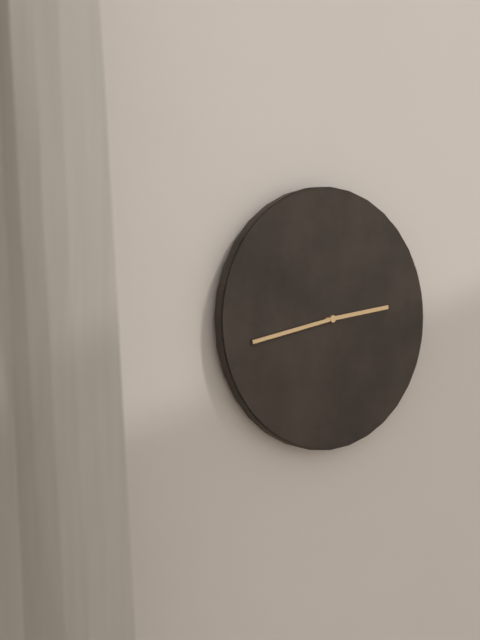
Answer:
2:43
